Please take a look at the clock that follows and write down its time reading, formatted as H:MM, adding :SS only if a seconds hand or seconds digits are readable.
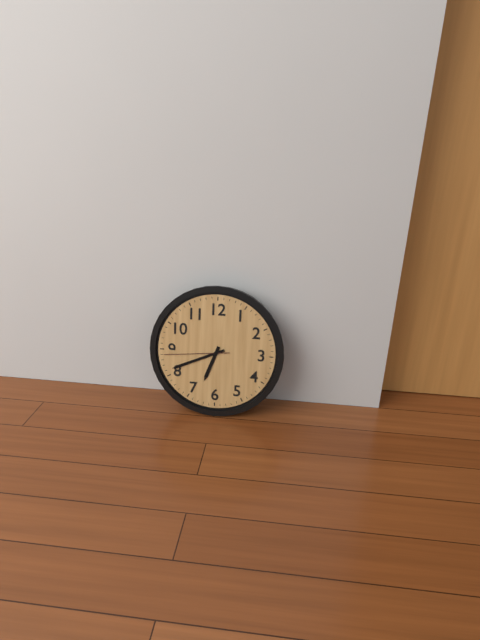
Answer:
6:41:44
